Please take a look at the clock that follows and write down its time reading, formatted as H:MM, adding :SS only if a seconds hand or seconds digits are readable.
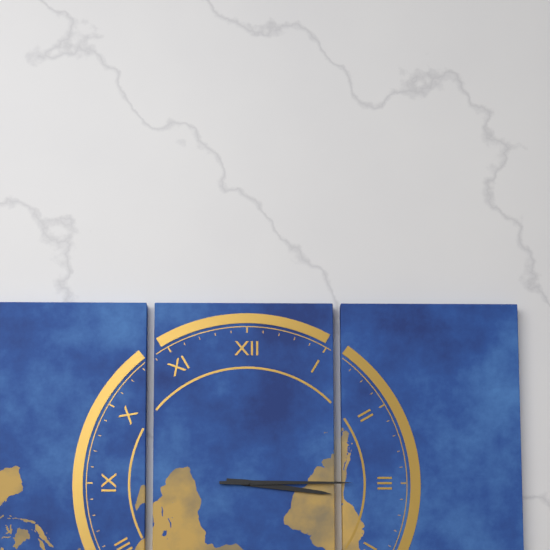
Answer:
3:15
